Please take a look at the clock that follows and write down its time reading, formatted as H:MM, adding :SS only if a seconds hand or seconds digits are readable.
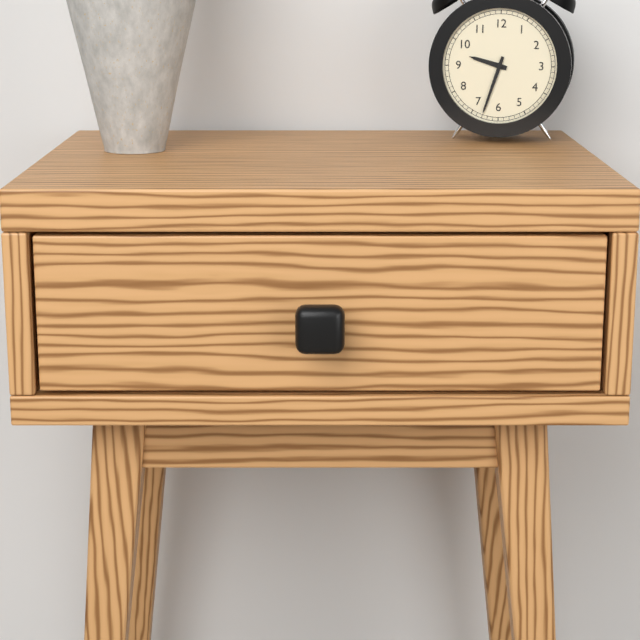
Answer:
9:33
